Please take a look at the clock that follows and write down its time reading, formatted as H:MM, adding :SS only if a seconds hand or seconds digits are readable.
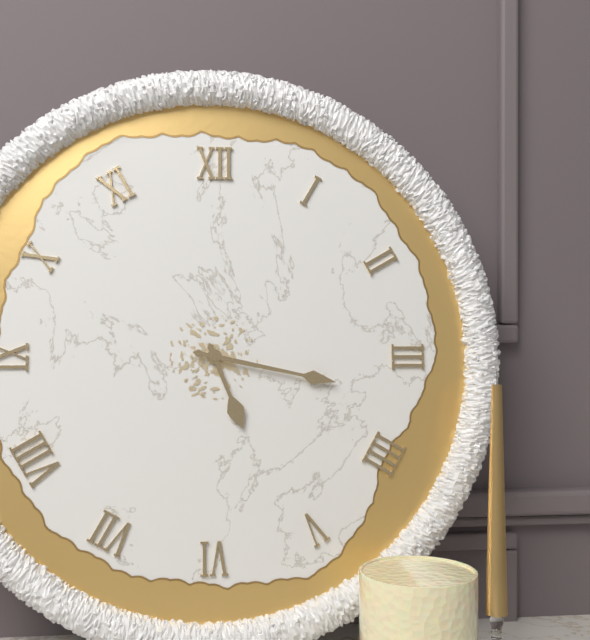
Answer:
5:17
